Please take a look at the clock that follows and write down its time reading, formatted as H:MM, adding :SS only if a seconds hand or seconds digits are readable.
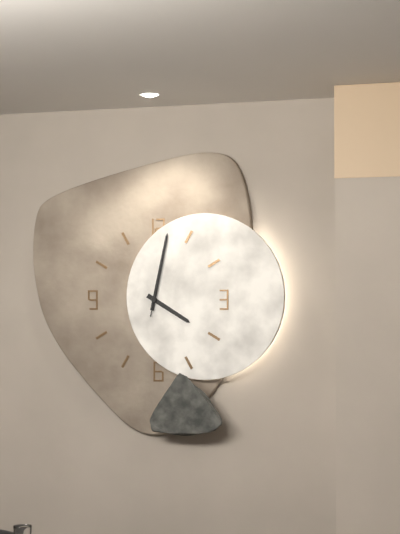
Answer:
4:02:02
